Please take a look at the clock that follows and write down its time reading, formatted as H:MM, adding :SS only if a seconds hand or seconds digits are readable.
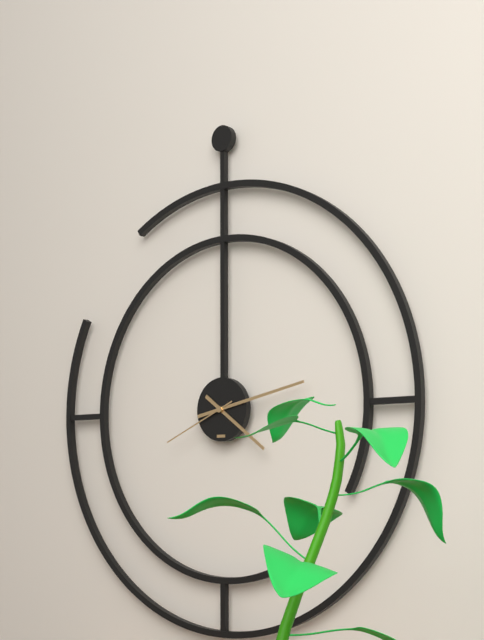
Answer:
4:13:41
